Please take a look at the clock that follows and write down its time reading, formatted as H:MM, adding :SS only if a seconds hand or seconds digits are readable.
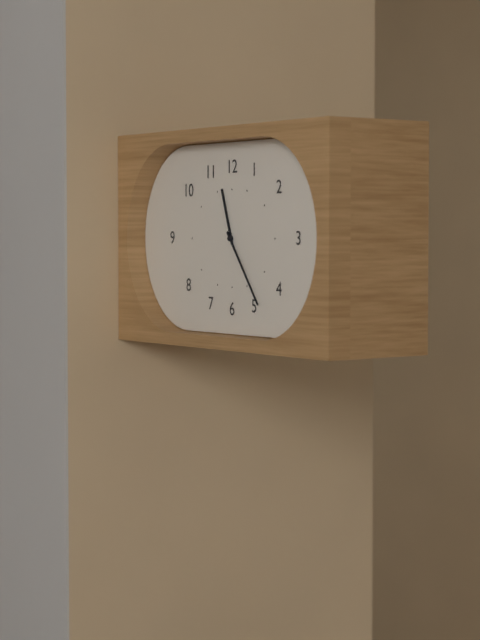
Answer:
11:24
